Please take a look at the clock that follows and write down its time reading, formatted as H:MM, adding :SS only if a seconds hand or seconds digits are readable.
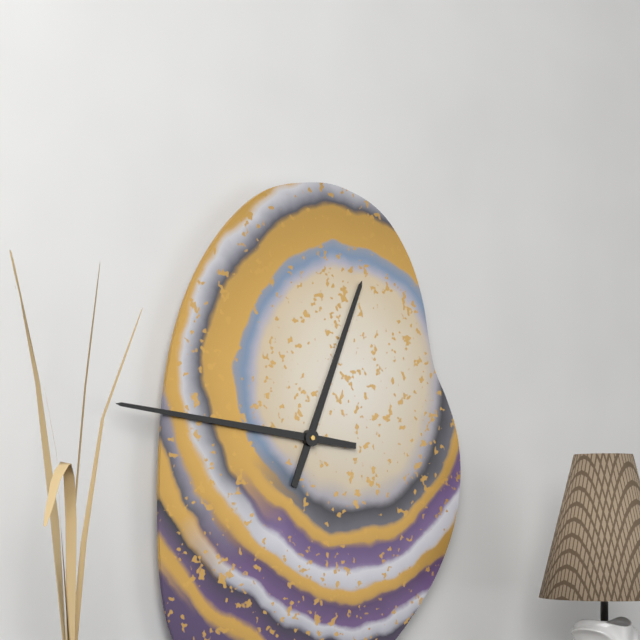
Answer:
12:46
